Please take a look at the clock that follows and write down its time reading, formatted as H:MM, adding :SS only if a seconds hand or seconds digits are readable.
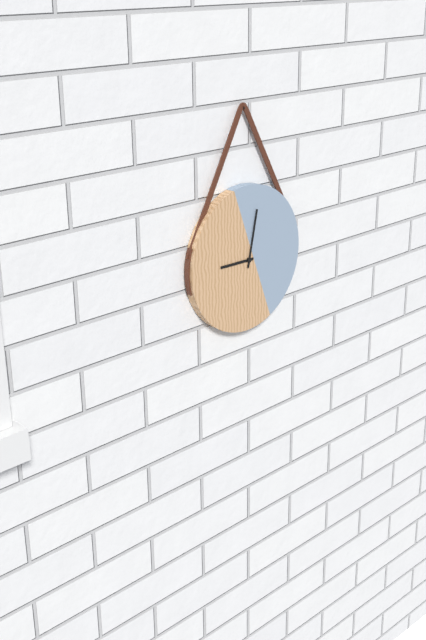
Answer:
9:02
